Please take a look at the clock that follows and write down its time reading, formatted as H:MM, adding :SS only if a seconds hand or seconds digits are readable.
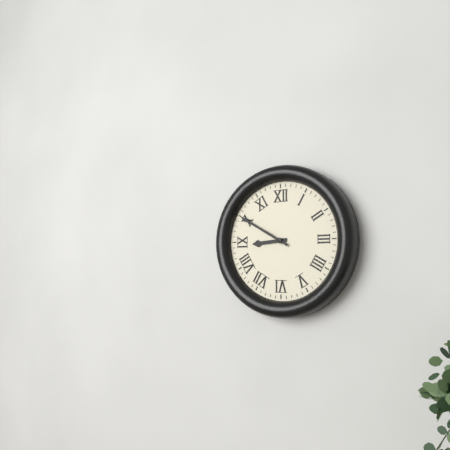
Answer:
8:50
